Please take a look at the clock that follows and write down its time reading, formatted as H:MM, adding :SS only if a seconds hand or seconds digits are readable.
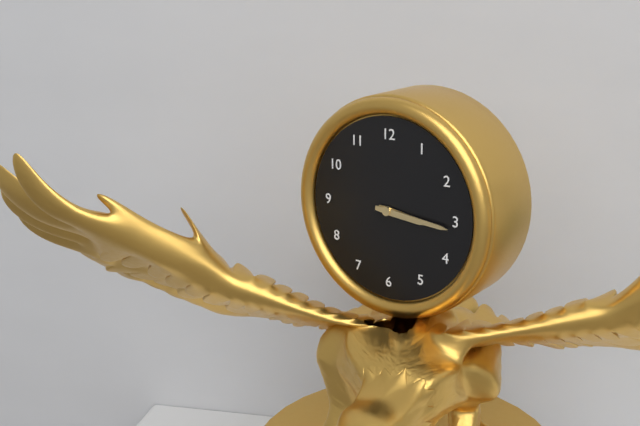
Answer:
3:16
